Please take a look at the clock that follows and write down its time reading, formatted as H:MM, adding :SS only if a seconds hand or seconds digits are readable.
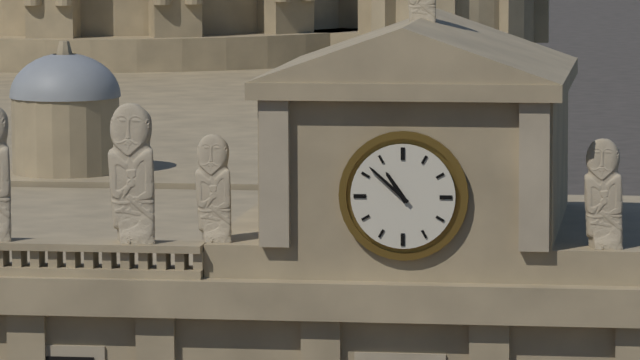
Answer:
10:52
